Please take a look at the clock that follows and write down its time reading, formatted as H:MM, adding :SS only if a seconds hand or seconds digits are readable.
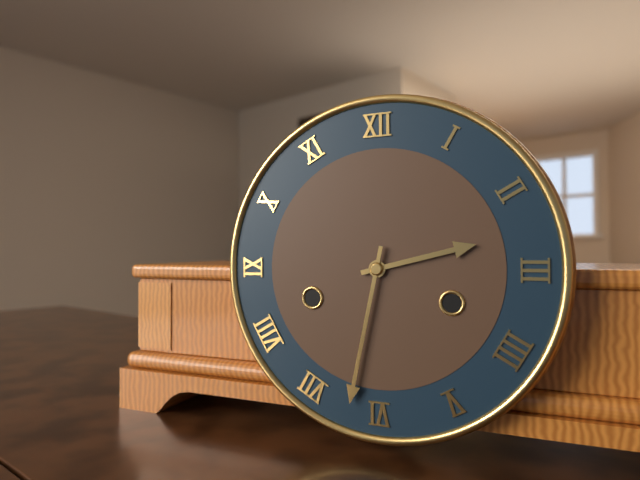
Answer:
2:32
